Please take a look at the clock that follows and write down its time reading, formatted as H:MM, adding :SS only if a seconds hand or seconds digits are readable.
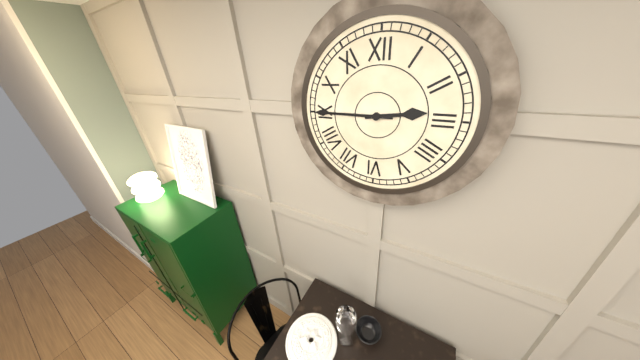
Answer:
2:45
